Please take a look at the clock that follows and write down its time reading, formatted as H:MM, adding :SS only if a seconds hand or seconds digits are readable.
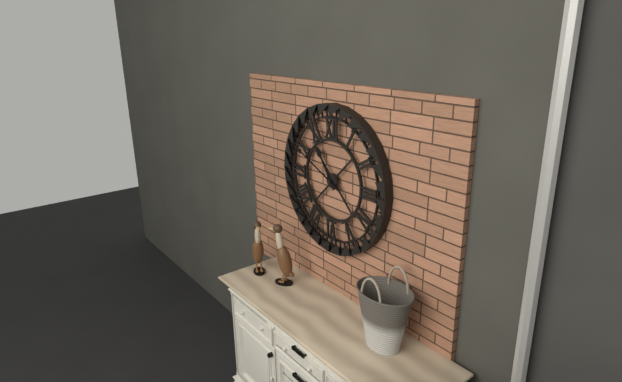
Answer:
10:49
